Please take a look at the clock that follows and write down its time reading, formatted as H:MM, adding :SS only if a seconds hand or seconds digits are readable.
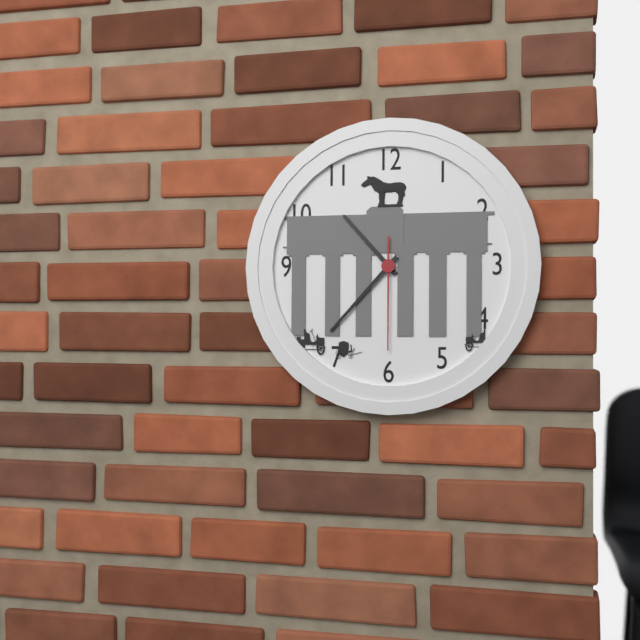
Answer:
10:37:30
